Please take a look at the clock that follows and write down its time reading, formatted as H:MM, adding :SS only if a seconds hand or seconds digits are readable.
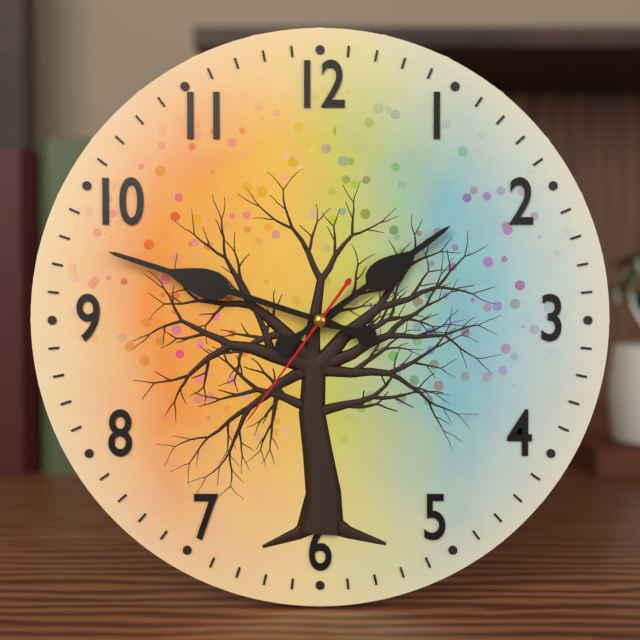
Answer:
1:48:36
